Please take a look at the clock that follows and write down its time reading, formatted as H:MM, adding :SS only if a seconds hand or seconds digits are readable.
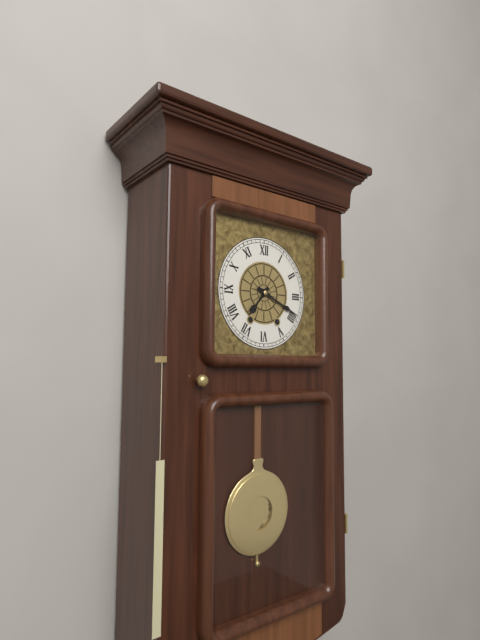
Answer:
7:19
